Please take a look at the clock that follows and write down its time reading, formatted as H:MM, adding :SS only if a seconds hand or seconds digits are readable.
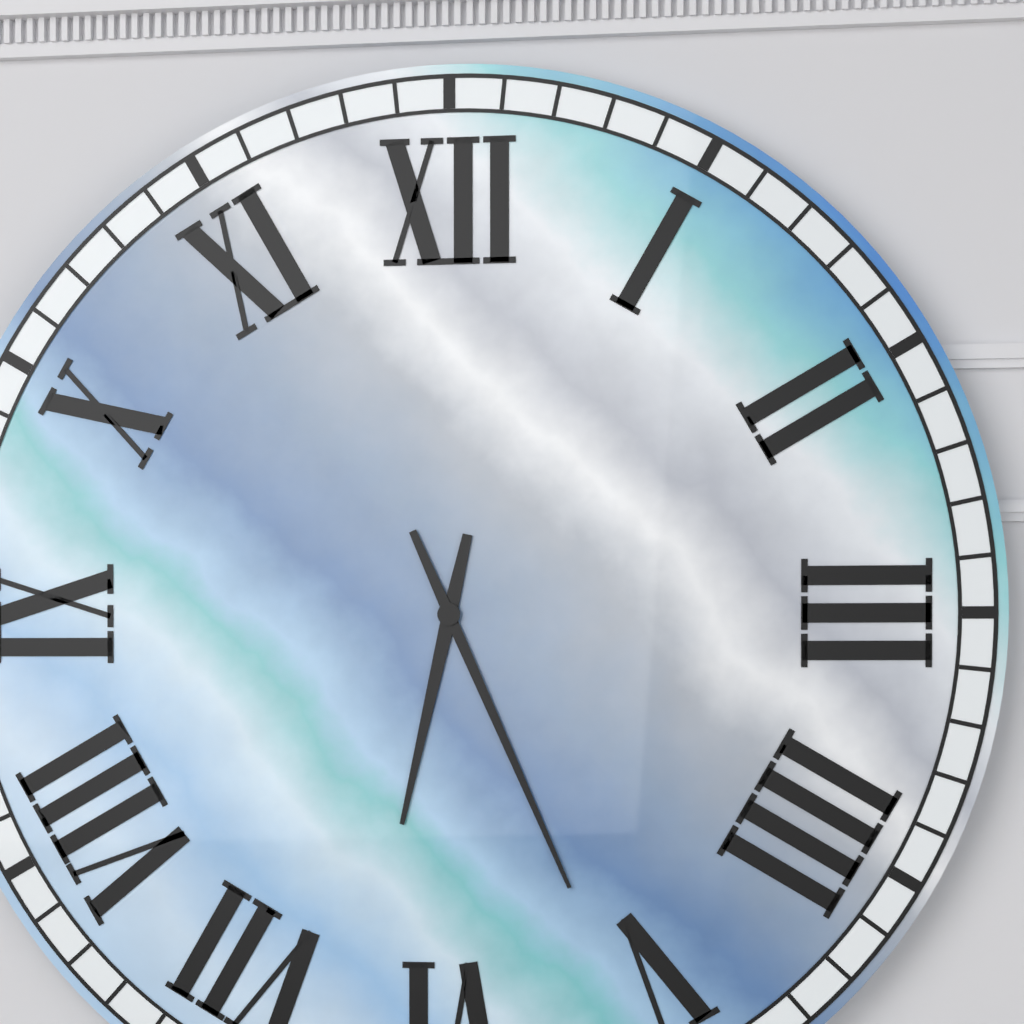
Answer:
6:26
